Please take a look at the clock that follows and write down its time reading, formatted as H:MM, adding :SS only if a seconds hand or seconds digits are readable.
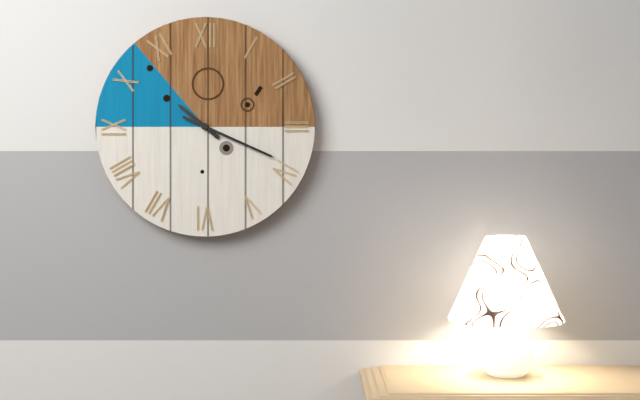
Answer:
10:19
